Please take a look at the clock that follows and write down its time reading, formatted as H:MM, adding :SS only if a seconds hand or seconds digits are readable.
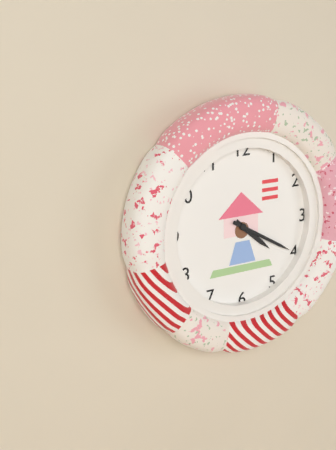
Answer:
4:20
